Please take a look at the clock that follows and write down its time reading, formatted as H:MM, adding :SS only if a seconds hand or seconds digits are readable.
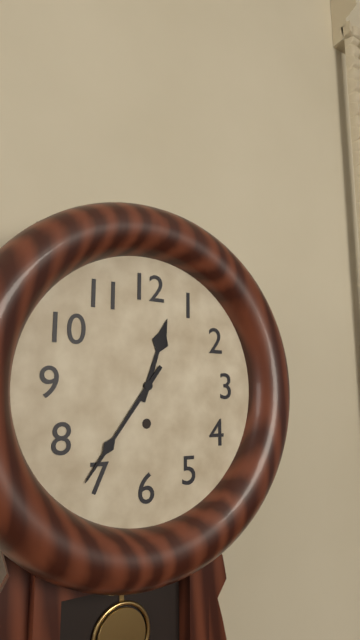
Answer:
12:36
